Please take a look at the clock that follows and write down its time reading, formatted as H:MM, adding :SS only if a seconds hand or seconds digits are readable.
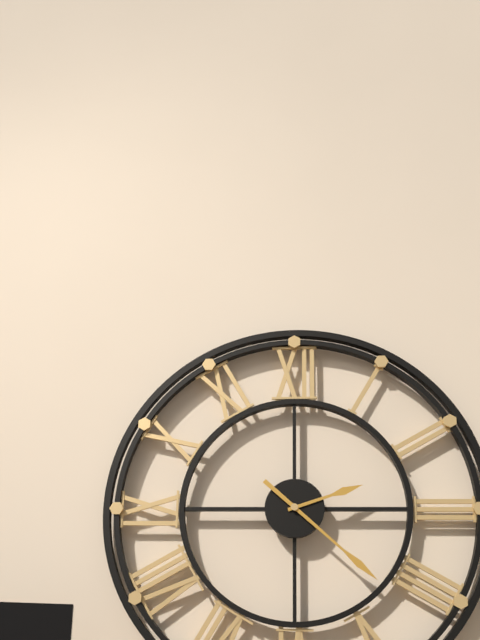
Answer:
2:22
